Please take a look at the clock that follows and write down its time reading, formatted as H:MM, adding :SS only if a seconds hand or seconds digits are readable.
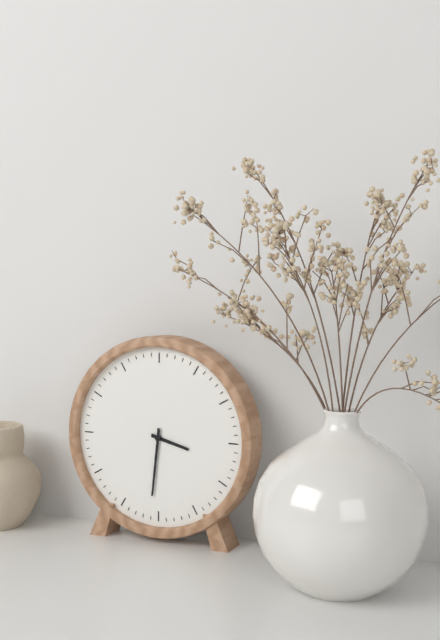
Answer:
3:31
